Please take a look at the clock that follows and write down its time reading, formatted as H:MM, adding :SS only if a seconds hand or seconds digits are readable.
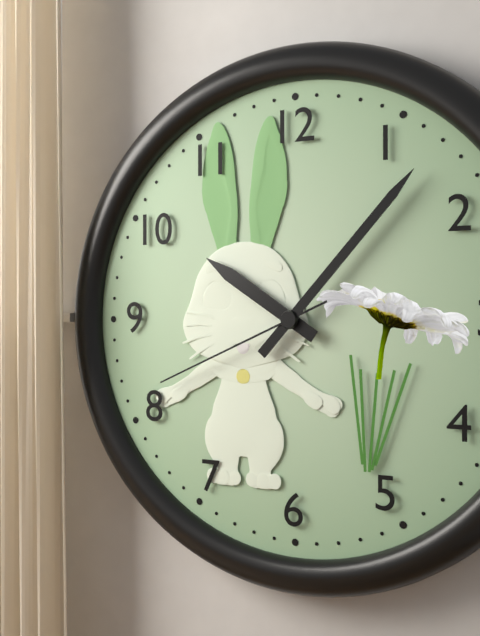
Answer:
10:07:41
